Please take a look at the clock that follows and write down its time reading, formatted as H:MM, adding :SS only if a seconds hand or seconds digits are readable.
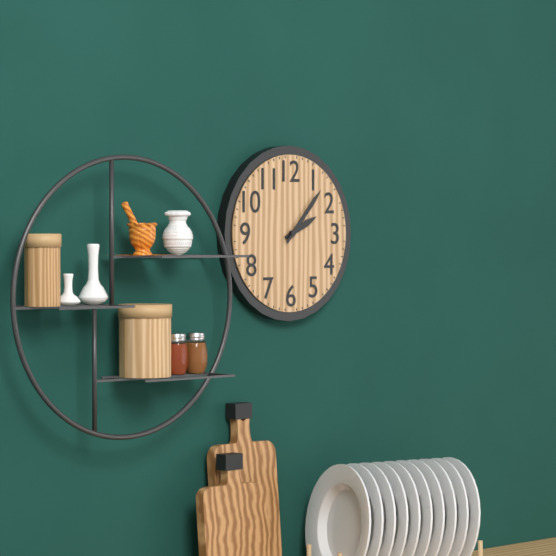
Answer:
2:07
